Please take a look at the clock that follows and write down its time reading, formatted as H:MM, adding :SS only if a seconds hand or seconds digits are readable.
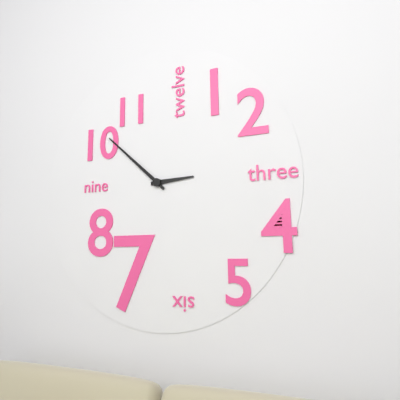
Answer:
2:52
